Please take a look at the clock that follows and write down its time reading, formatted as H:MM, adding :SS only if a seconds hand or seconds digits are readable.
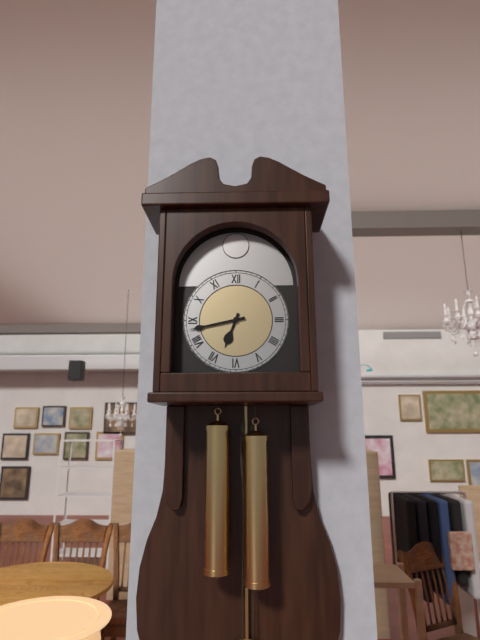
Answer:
6:43
